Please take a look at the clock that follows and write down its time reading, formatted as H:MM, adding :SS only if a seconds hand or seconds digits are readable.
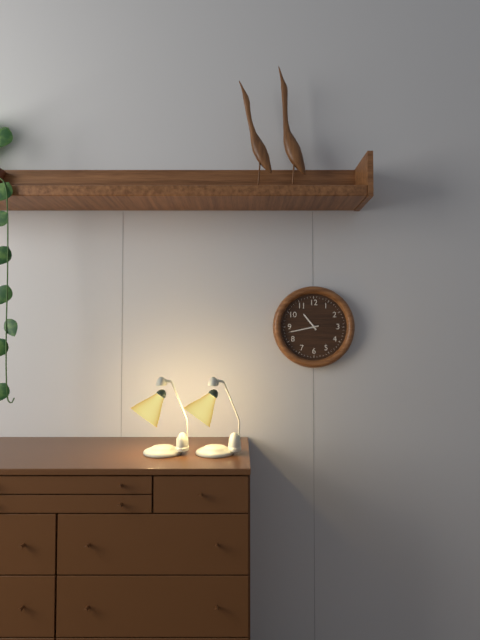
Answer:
10:43
